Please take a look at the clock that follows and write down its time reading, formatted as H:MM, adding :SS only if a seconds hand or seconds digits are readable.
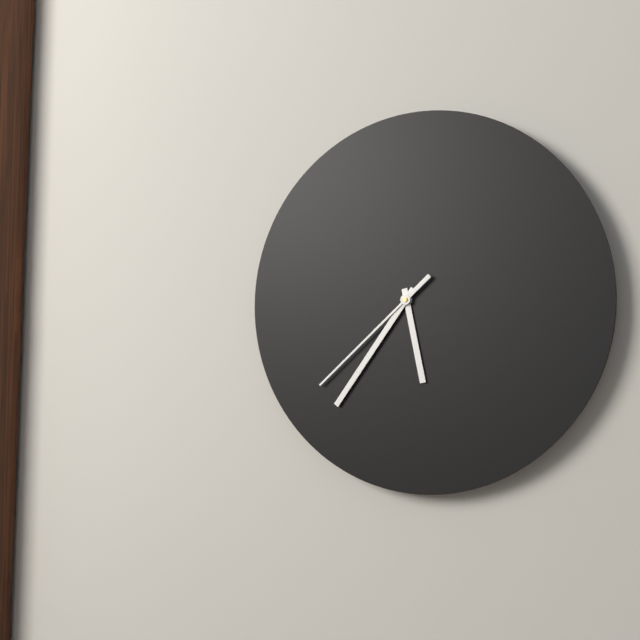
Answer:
5:36:38
